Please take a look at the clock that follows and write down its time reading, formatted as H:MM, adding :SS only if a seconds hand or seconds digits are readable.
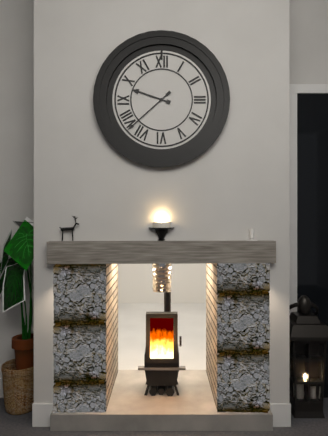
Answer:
9:38
